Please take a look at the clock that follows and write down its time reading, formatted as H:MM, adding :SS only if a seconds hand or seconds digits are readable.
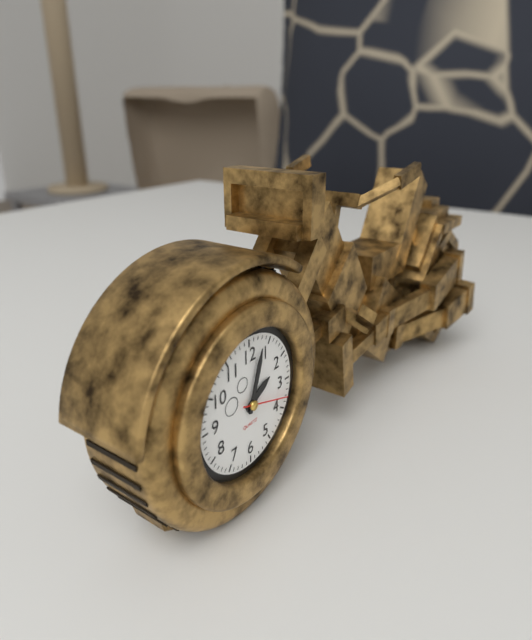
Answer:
2:03
